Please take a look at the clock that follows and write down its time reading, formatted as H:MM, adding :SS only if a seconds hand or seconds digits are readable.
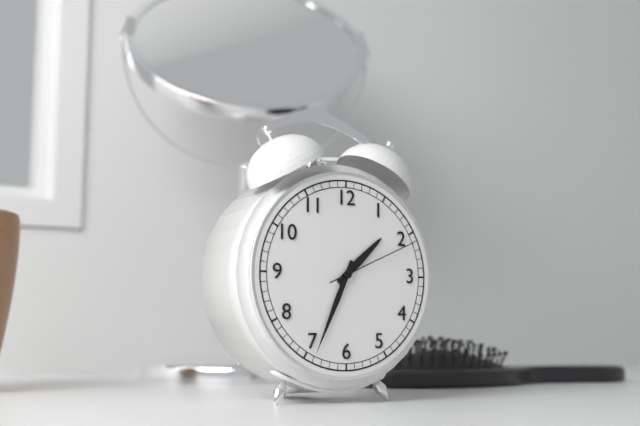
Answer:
1:34:11
